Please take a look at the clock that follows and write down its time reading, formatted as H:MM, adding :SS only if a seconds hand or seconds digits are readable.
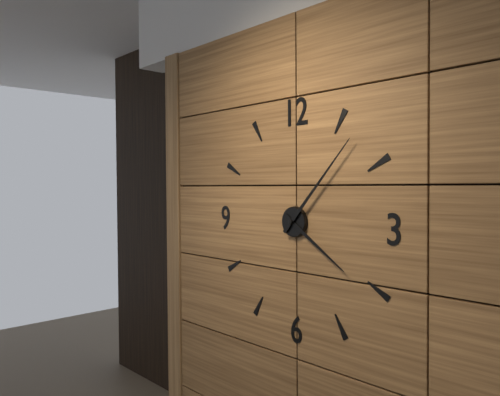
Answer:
4:07
